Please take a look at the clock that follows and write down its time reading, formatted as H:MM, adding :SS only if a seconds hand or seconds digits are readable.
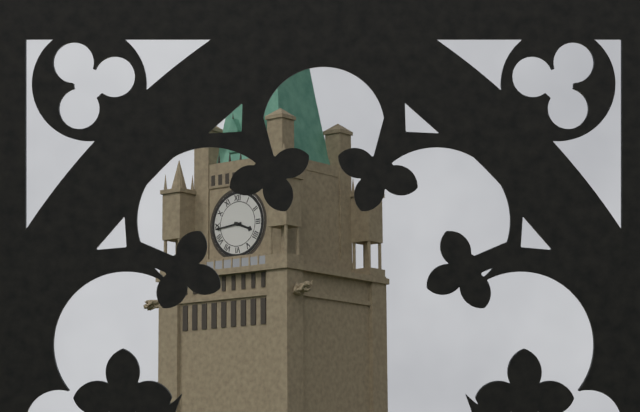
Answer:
3:44
